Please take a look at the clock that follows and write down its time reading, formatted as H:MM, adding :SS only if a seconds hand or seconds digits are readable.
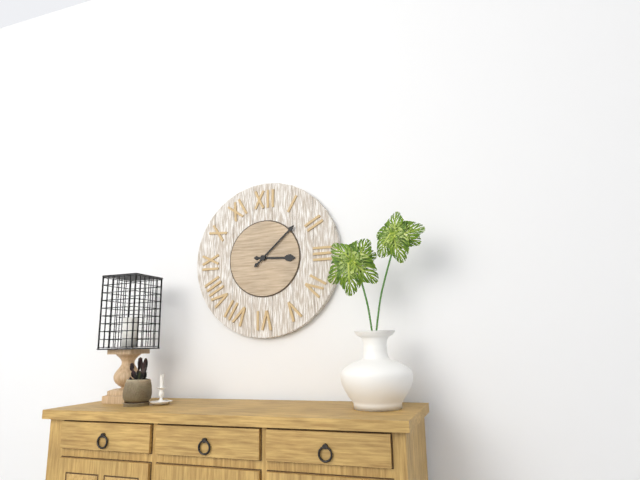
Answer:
3:08
